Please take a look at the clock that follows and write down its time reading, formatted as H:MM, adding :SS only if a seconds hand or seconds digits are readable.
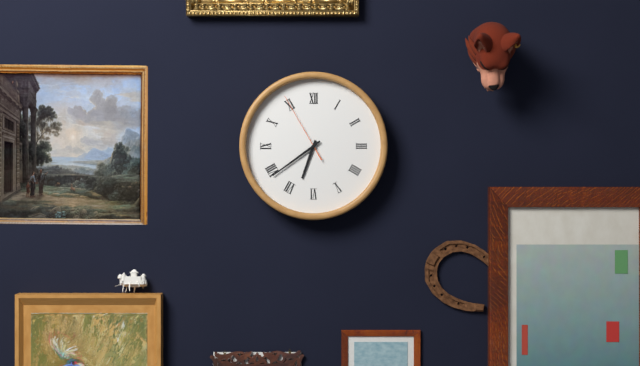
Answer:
6:39:55
